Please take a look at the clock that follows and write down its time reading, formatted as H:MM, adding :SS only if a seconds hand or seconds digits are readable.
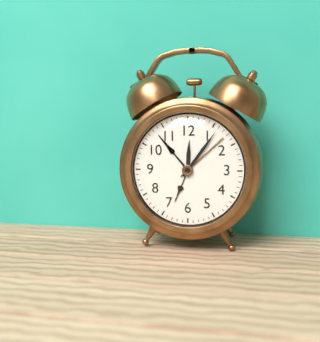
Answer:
12:06
